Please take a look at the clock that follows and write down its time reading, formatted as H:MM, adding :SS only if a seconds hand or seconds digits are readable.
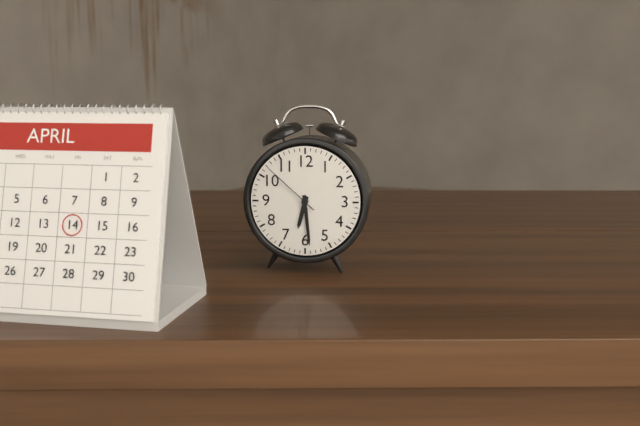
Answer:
6:29:52
